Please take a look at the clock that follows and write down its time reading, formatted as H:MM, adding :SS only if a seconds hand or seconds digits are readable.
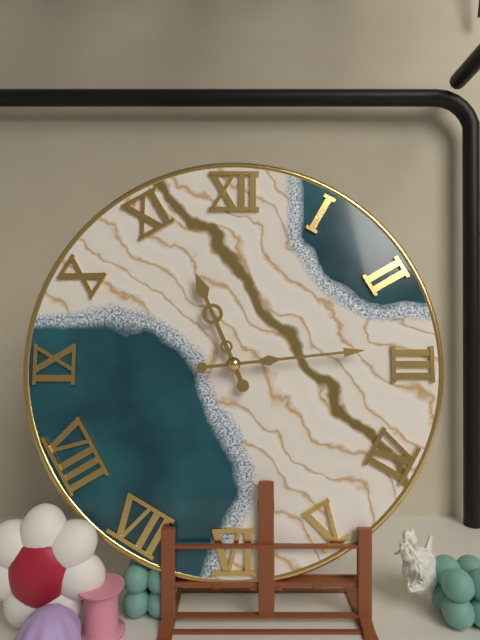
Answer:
11:14
